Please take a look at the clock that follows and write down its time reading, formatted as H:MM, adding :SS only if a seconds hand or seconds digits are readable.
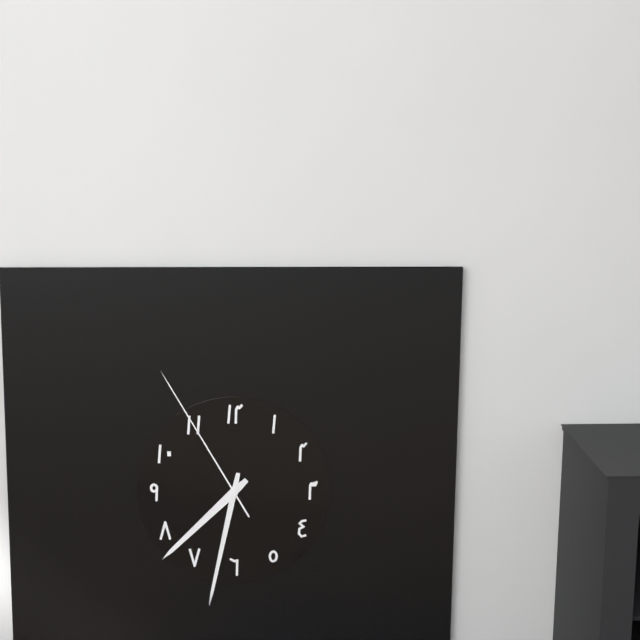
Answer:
7:32:55
